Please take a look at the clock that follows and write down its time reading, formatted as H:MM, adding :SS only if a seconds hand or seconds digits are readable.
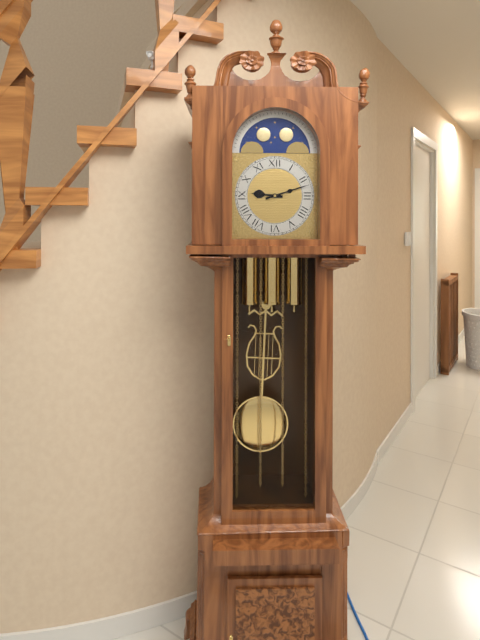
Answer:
9:12
